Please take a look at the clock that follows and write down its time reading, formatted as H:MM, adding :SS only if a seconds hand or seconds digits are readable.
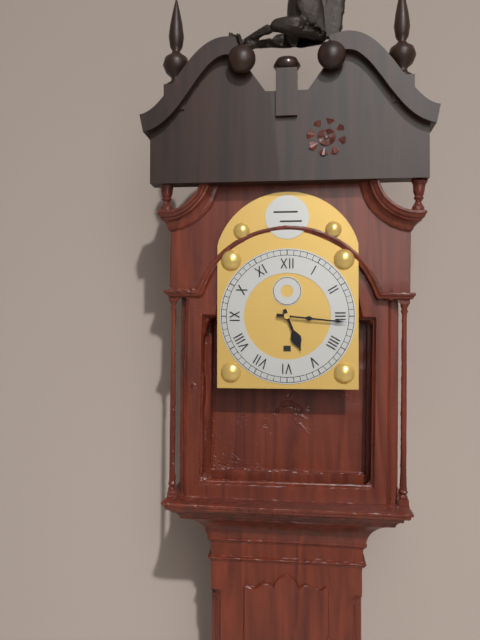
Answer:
5:16
